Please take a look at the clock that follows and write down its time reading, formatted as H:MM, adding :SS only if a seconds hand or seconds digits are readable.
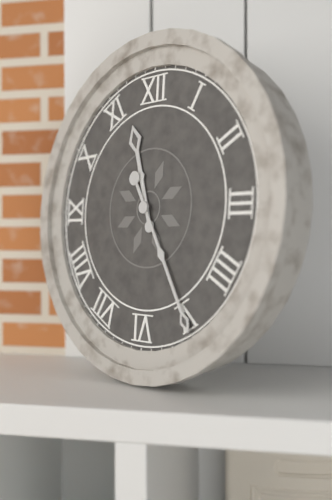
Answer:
11:25
